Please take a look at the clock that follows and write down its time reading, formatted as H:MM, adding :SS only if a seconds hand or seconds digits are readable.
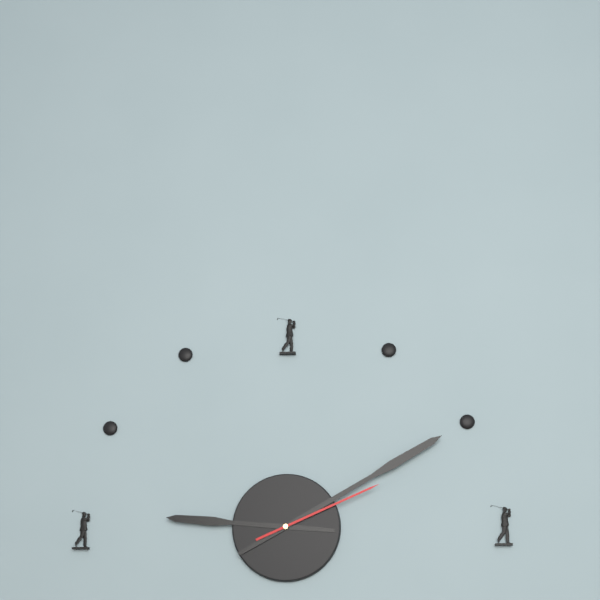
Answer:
9:10:11
